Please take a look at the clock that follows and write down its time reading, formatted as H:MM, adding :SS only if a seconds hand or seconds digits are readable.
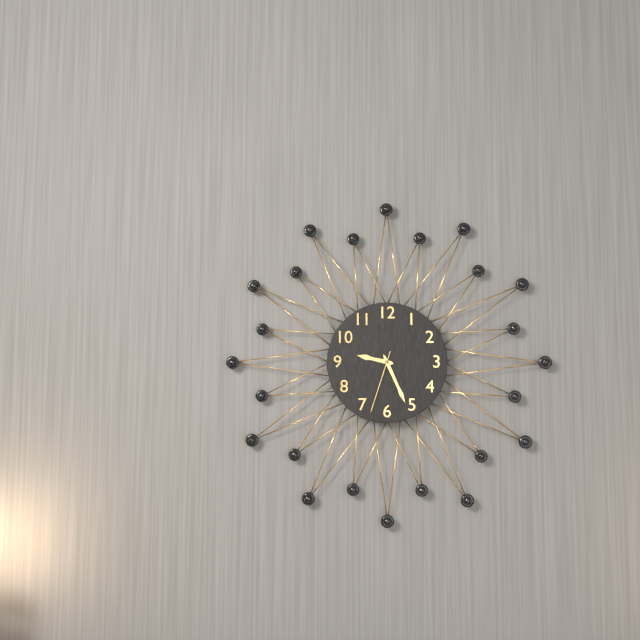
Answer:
9:26:33
